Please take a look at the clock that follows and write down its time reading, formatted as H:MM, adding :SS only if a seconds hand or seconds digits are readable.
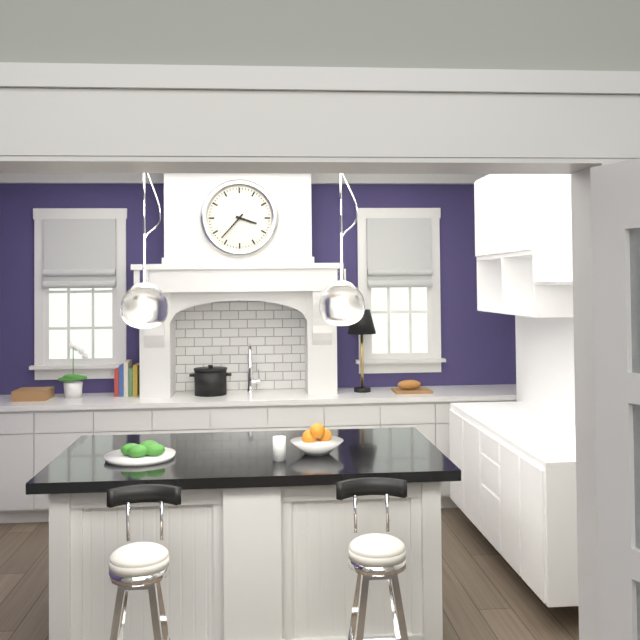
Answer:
3:37
